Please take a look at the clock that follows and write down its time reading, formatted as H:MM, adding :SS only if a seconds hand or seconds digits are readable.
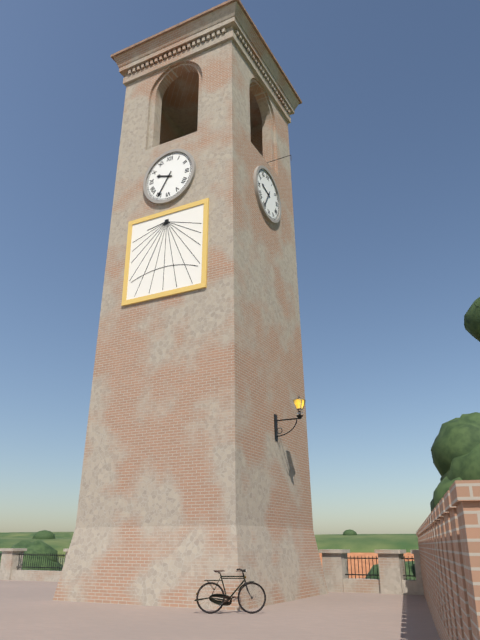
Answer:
9:35
